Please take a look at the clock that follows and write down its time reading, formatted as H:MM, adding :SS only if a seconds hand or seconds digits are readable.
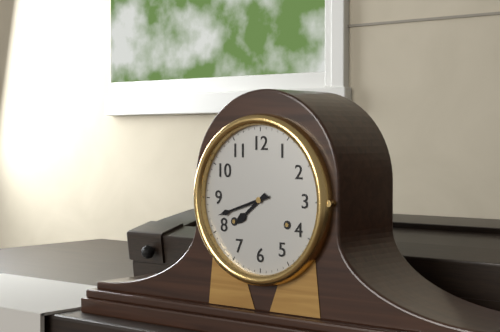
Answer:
7:42
